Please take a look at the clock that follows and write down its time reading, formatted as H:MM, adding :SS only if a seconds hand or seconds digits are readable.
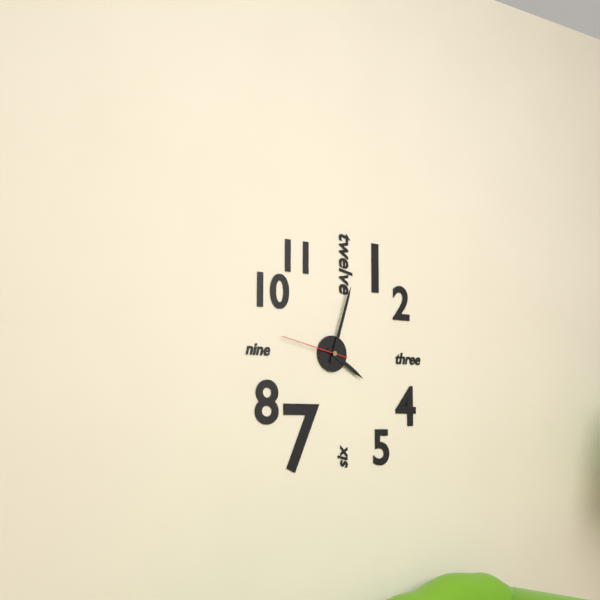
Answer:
4:03:47
